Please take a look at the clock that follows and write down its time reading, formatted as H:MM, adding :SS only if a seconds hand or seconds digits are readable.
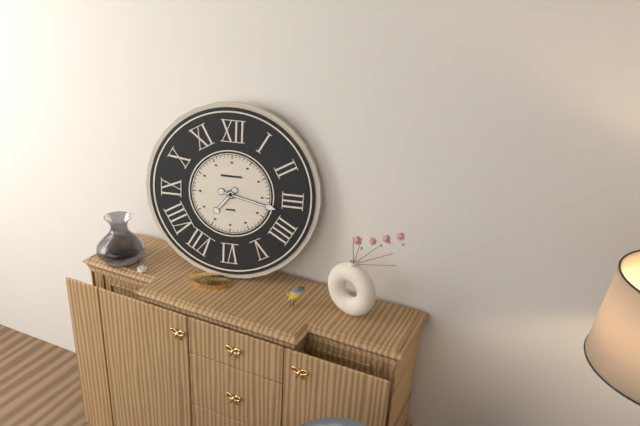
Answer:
7:17
